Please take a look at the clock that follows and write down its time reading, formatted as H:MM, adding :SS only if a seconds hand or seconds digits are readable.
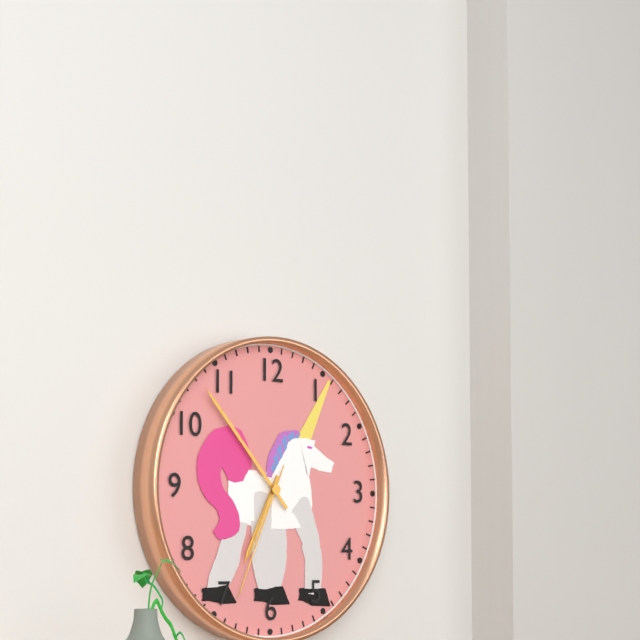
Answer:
6:53:34
